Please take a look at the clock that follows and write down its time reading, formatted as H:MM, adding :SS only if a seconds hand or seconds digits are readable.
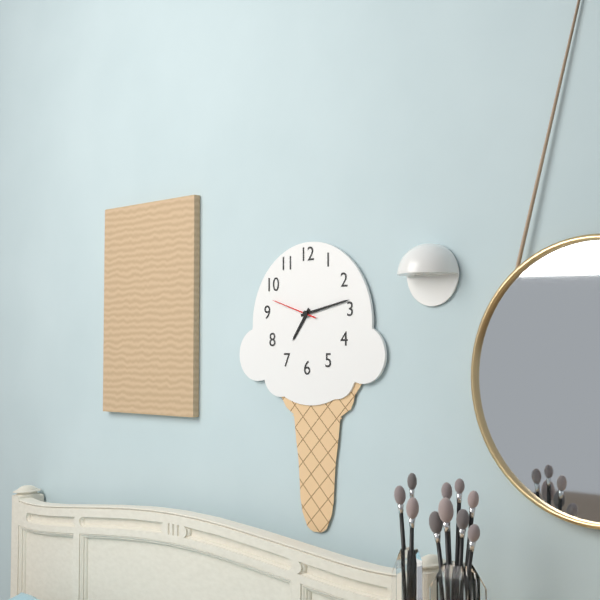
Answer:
7:13
